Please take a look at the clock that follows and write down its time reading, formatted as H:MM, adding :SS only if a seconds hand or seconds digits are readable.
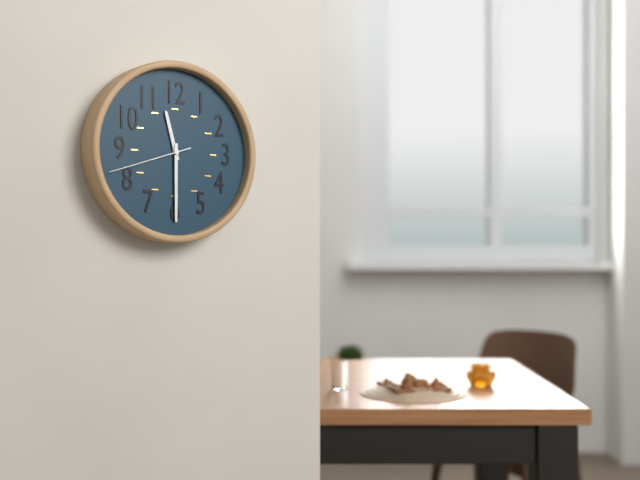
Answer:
11:30:42
